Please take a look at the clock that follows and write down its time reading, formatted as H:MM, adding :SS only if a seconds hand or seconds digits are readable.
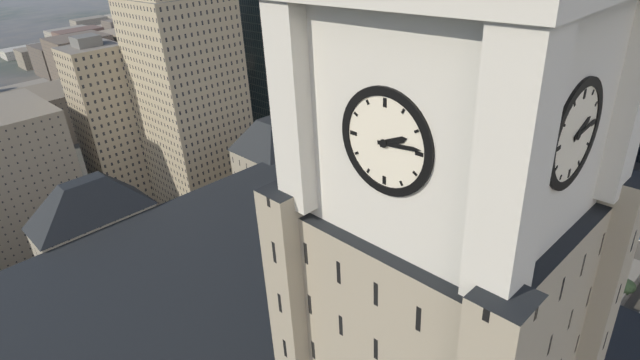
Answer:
2:14
